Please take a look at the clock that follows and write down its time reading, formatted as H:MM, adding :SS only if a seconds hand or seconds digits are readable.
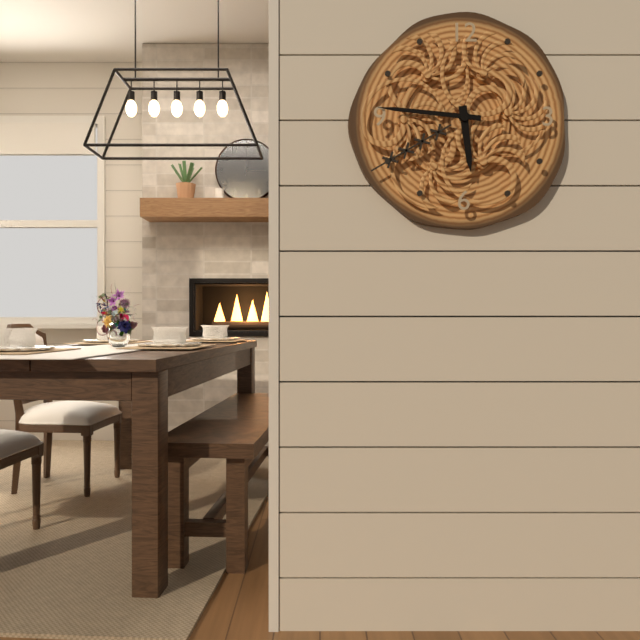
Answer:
5:46
